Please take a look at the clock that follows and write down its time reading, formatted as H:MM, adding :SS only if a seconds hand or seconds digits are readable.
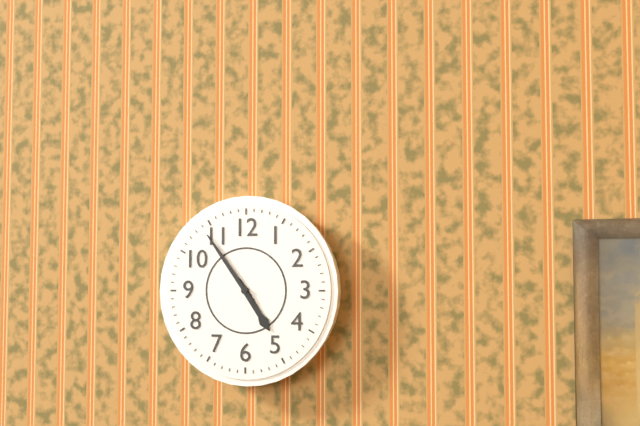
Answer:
4:54
